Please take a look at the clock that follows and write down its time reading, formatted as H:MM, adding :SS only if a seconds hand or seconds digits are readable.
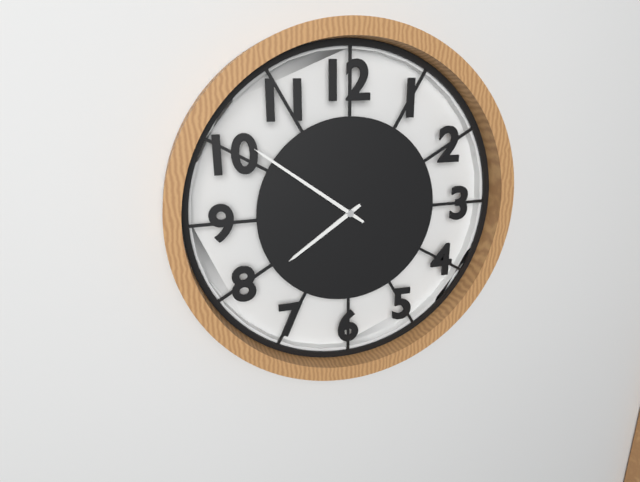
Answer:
7:51
